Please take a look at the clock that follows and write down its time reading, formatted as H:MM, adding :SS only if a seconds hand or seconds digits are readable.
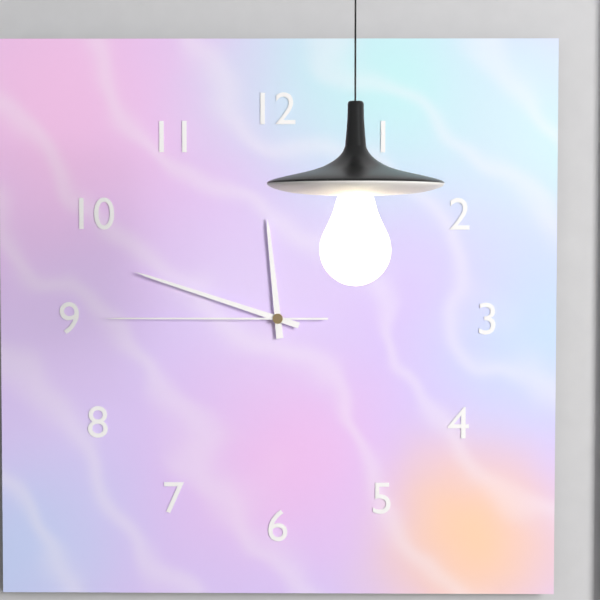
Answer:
11:48:45
